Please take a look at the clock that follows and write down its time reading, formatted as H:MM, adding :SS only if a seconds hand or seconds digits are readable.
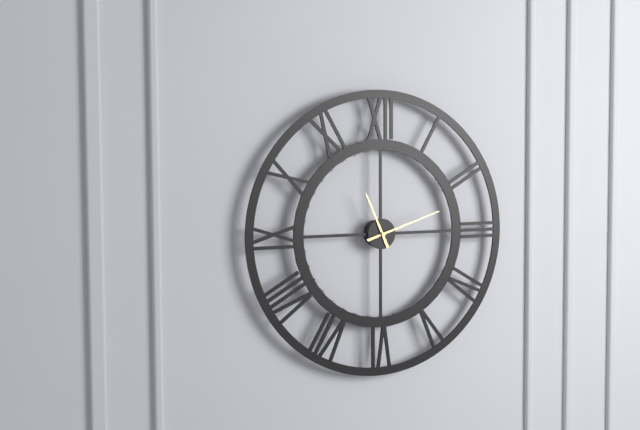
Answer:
11:12
